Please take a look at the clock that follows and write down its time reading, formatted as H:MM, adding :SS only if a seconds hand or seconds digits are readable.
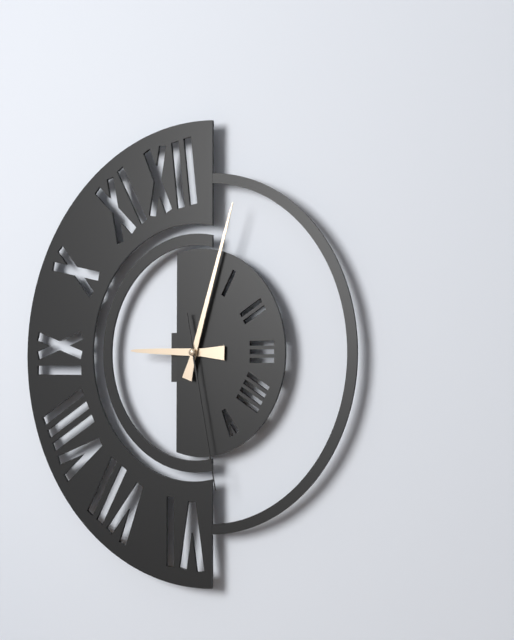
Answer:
9:03:28
